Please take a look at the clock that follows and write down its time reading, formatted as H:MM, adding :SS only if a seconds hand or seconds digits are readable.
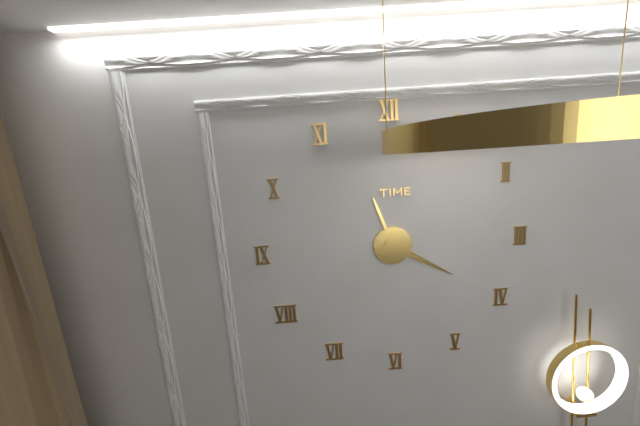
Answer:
11:20
